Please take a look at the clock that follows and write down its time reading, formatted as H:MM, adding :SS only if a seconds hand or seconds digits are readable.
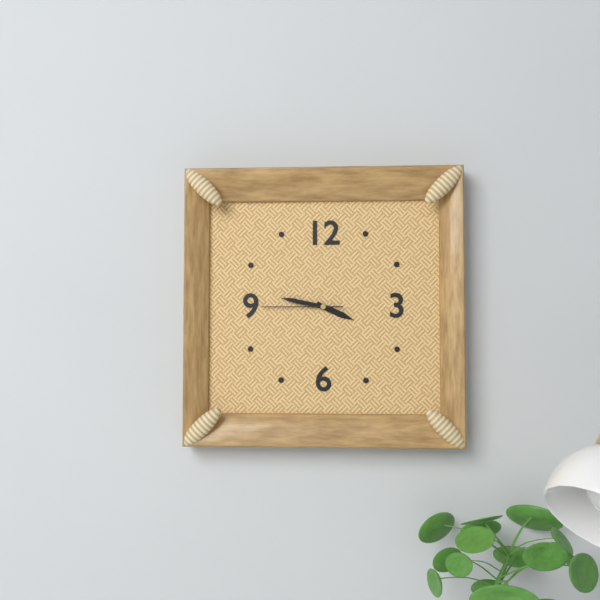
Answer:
3:47:45
